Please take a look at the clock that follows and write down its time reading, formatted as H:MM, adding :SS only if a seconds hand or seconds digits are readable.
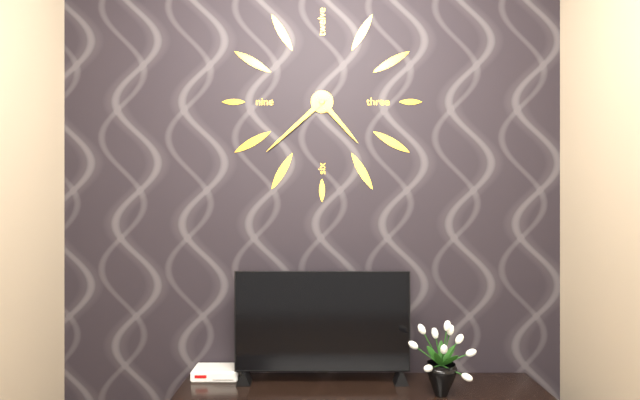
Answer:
4:38
